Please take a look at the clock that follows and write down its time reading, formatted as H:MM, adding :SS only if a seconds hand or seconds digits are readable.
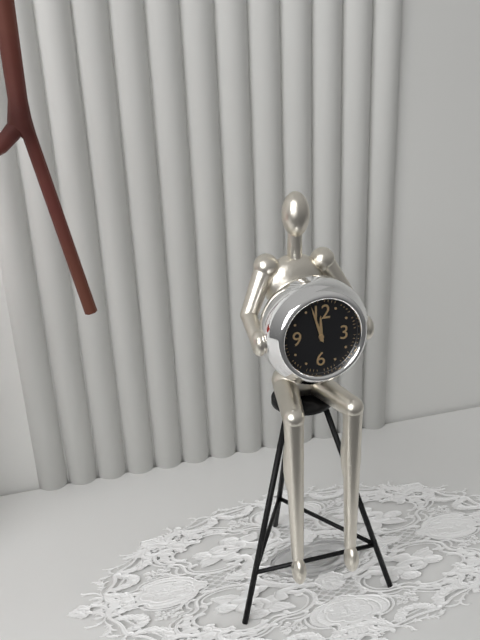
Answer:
11:57
